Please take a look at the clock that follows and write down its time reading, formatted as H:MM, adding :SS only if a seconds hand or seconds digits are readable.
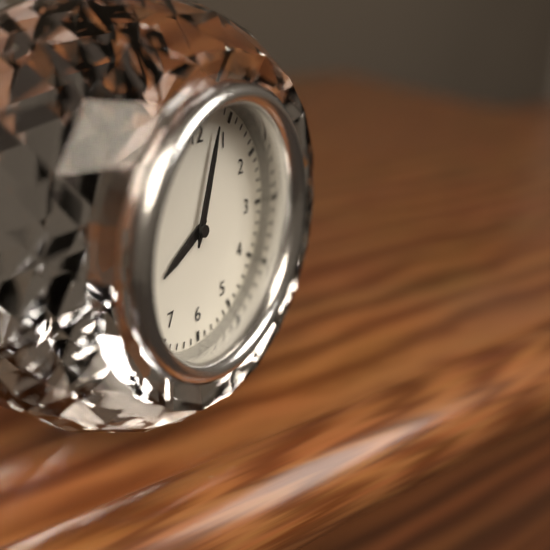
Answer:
8:03
